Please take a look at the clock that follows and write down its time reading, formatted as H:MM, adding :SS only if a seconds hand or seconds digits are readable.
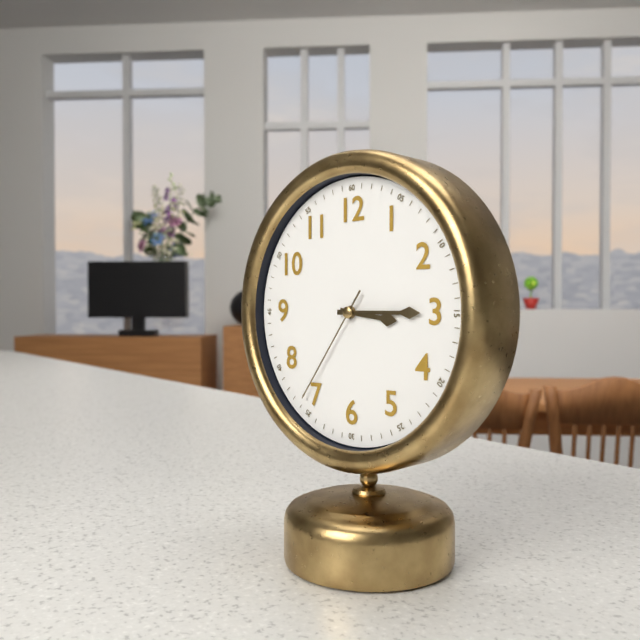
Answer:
3:15:36
